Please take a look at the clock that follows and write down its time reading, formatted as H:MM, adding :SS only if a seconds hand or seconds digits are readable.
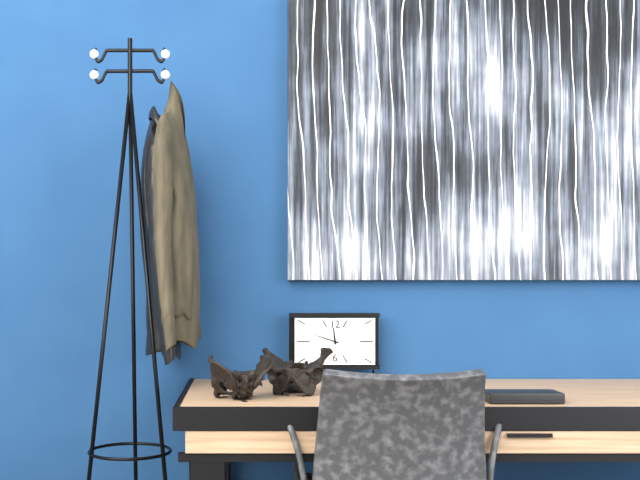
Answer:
11:48
